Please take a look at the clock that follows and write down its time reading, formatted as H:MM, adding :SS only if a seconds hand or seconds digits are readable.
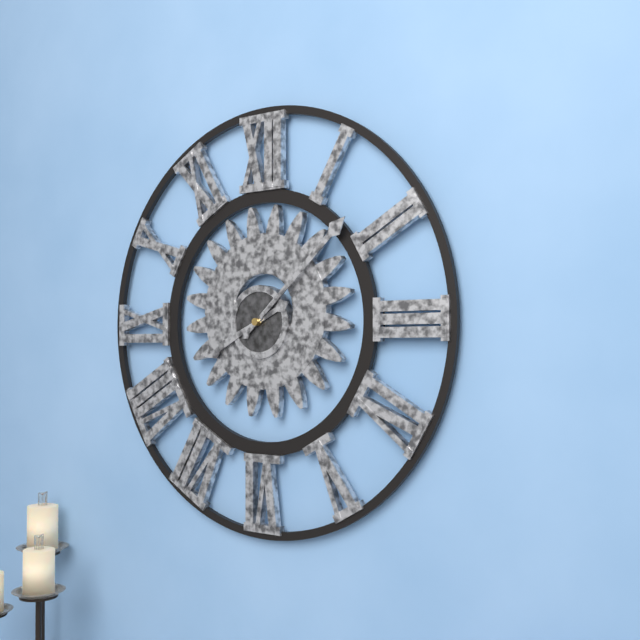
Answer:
8:08
